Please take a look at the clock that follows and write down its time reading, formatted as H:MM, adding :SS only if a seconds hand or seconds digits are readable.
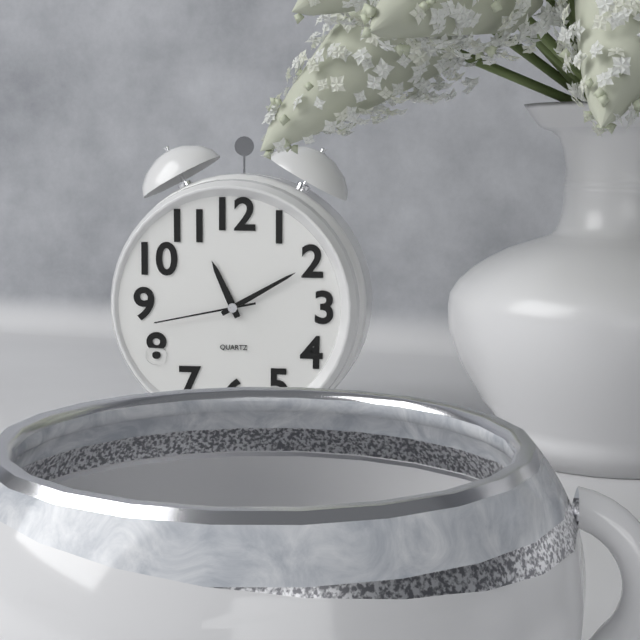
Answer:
11:10:43
